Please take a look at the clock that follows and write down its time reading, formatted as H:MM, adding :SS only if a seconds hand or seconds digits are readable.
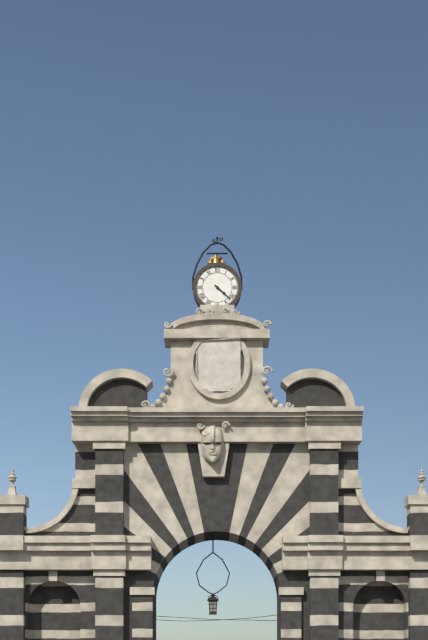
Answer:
4:22
